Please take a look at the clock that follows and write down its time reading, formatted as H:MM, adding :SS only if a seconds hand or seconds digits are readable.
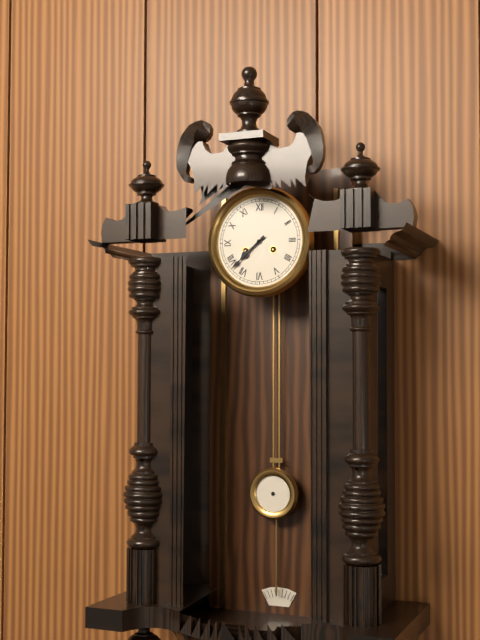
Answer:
7:38
